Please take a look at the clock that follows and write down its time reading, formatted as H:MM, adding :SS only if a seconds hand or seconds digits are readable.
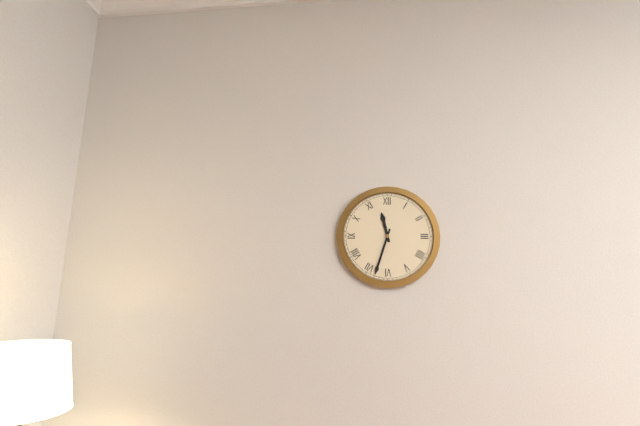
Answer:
11:33
